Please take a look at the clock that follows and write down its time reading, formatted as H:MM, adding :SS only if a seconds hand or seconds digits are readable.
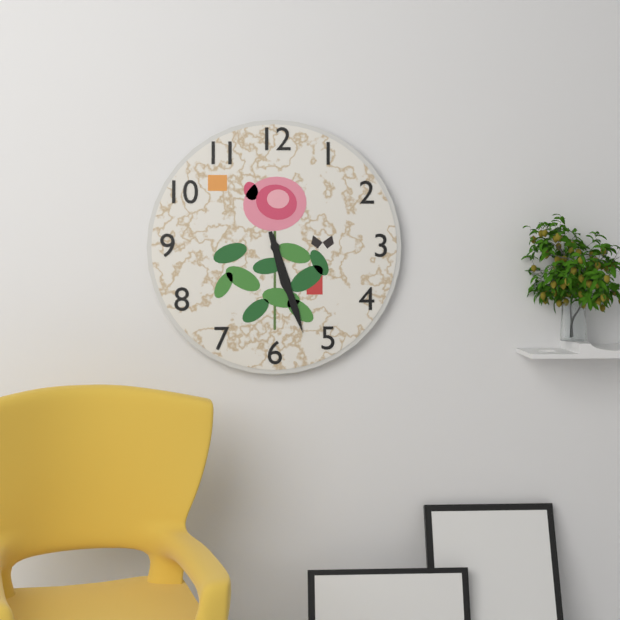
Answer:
5:27
